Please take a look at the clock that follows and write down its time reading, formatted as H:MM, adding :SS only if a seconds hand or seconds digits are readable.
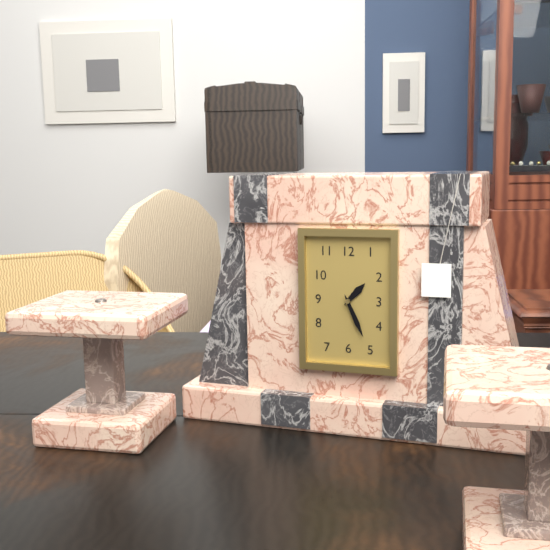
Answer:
1:26
